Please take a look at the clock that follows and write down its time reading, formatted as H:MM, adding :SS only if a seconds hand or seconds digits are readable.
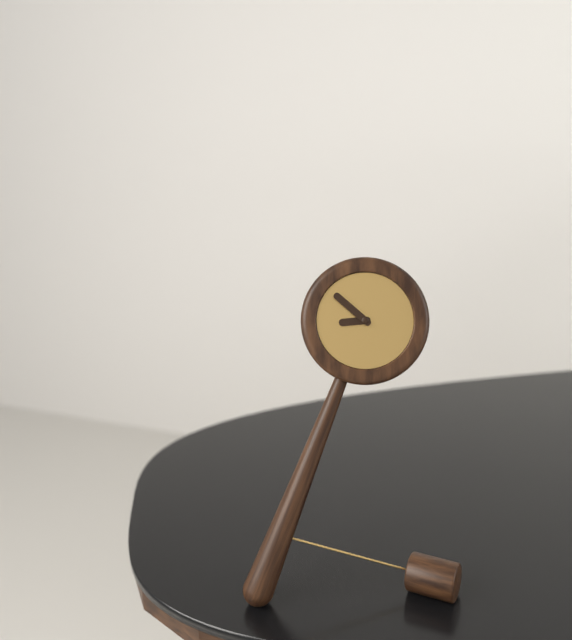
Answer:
8:52
